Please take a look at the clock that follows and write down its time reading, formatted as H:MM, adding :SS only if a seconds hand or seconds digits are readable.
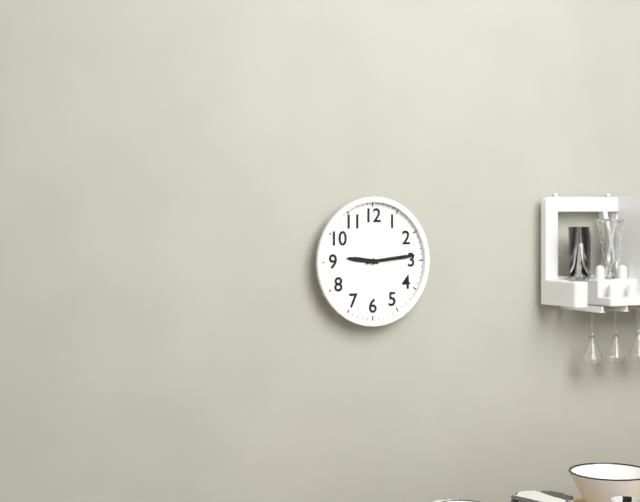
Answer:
9:14
